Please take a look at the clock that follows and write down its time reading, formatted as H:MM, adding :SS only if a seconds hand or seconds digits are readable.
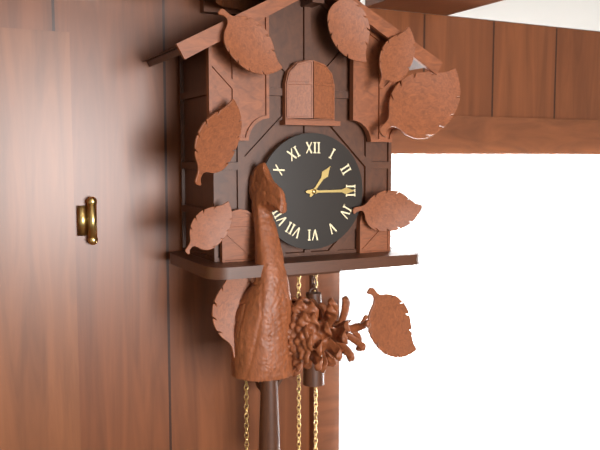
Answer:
1:15
